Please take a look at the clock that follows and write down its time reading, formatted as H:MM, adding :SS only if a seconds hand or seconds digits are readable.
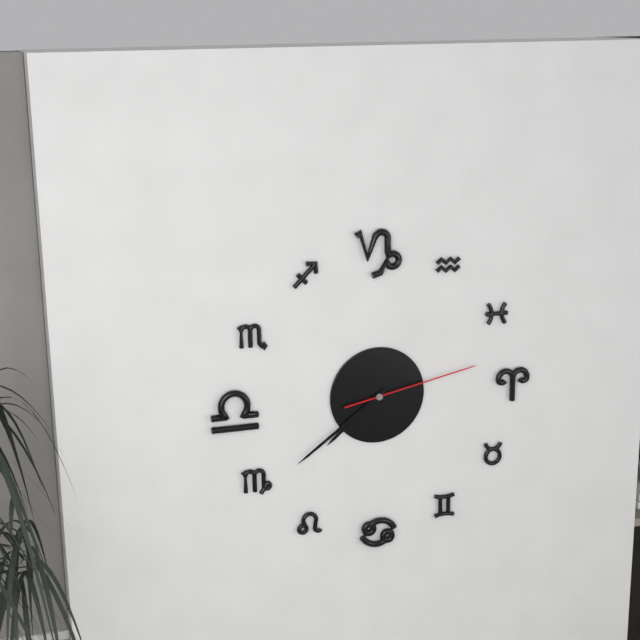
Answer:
7:39:13
